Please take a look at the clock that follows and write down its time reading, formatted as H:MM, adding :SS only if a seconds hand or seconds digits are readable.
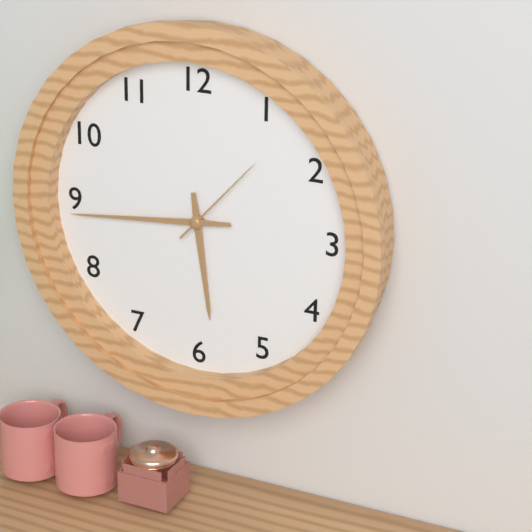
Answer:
5:44:07
